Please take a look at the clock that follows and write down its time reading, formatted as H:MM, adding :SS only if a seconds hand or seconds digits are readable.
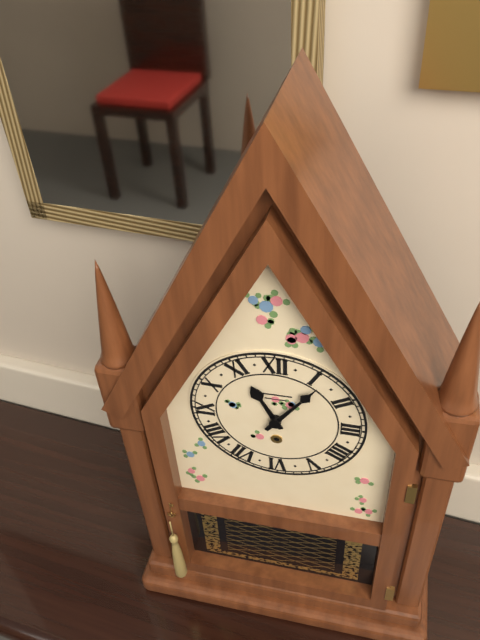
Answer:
11:06
